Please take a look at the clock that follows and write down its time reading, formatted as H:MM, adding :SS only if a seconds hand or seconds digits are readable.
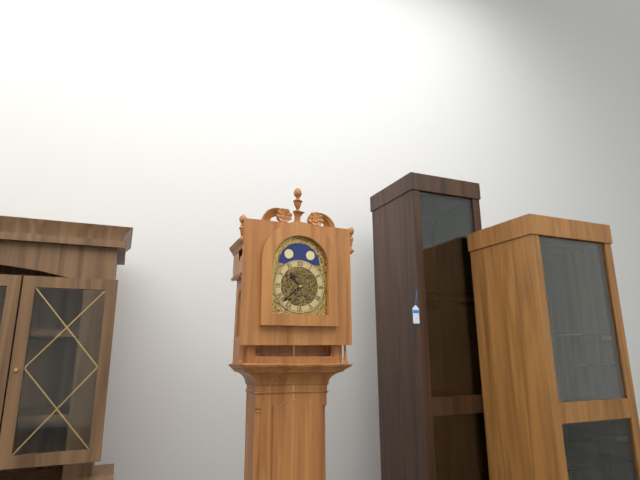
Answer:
10:38
